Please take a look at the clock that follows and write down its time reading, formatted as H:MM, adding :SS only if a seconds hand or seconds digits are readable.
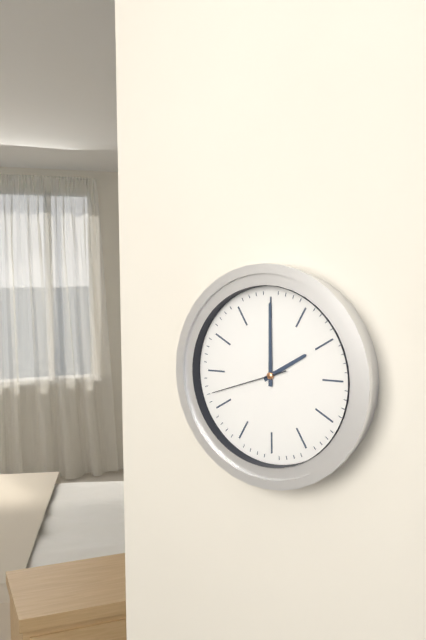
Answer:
2:00:42
